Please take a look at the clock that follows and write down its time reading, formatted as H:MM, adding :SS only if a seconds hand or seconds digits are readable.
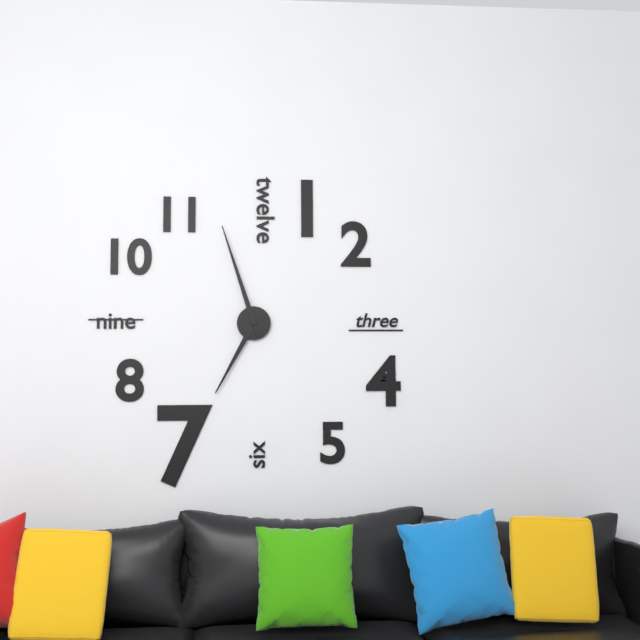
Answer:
6:57
